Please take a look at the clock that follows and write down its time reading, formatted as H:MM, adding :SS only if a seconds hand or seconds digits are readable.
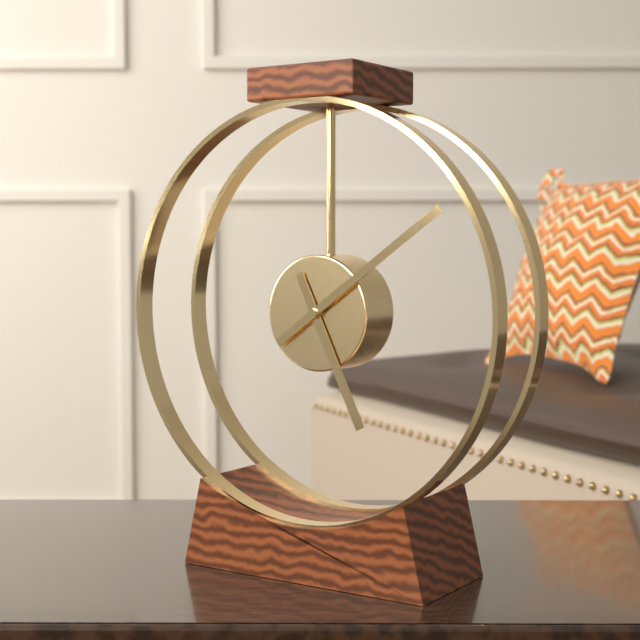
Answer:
5:09
